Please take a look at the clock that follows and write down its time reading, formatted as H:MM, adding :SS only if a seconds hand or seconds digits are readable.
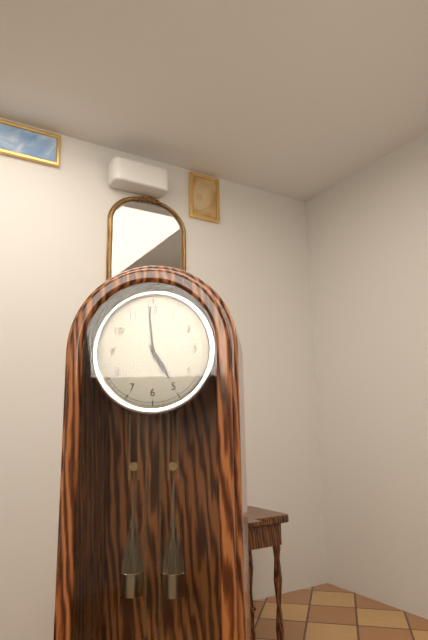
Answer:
4:59
